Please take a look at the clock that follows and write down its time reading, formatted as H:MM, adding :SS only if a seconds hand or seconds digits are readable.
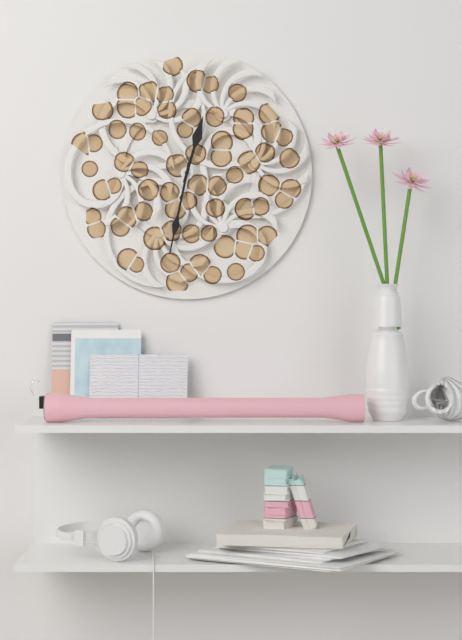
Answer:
12:32
